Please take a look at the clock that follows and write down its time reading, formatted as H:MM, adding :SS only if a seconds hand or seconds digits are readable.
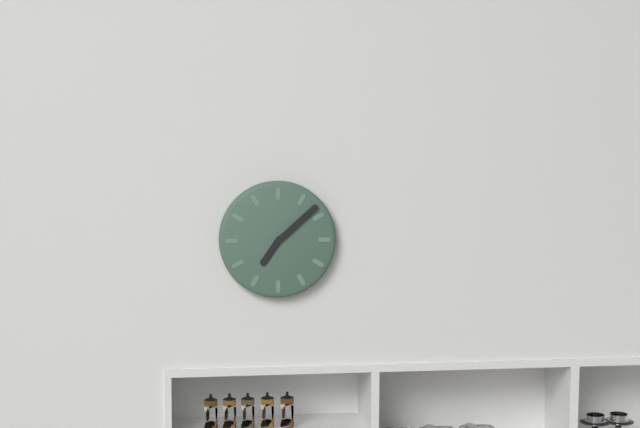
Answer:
7:08
